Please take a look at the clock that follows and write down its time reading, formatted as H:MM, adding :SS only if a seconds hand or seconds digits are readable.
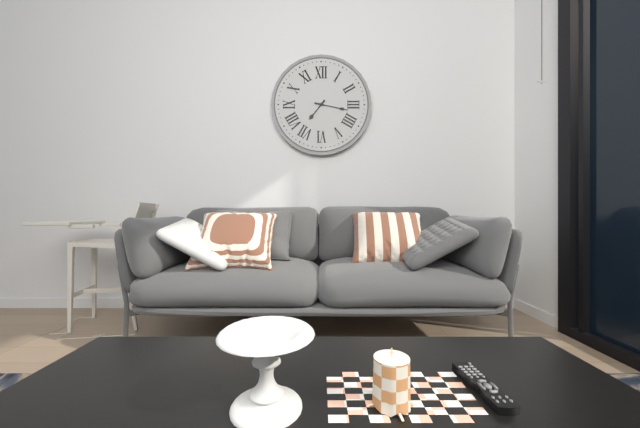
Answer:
7:17
